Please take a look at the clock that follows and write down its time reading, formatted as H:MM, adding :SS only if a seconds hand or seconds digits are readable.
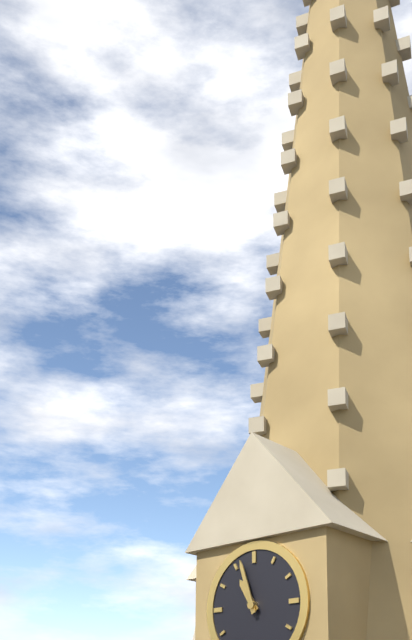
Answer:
10:57
